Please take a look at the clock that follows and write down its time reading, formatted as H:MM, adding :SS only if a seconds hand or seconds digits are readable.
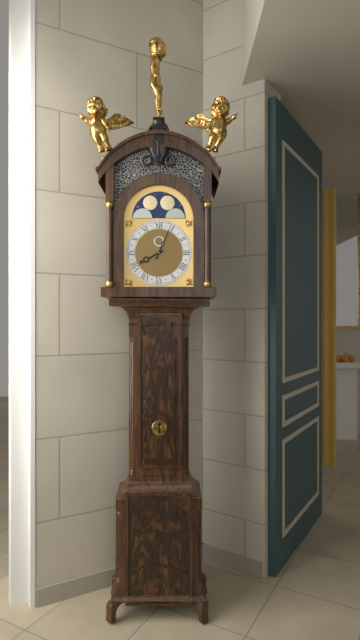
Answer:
8:04
